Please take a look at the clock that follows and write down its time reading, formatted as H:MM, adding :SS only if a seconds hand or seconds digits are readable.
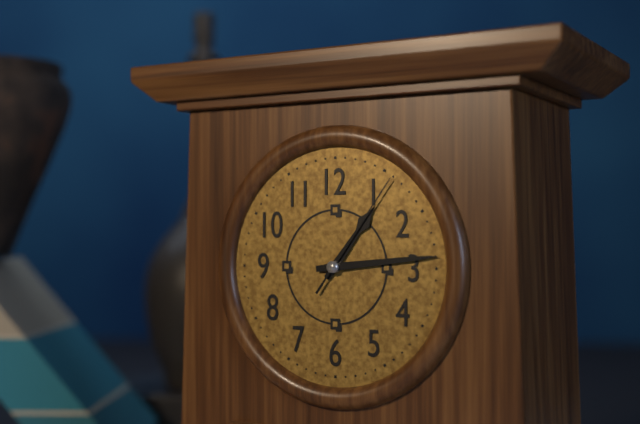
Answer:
1:14:06
